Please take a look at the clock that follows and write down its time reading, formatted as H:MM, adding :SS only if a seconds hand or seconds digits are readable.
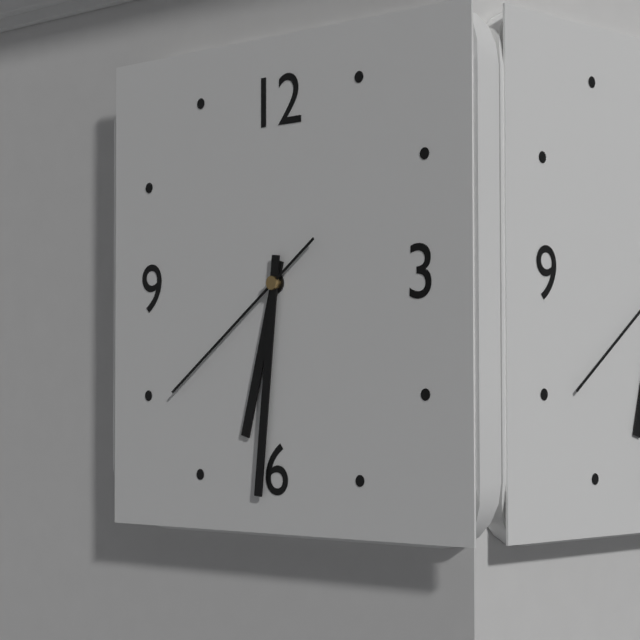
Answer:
6:31:39
